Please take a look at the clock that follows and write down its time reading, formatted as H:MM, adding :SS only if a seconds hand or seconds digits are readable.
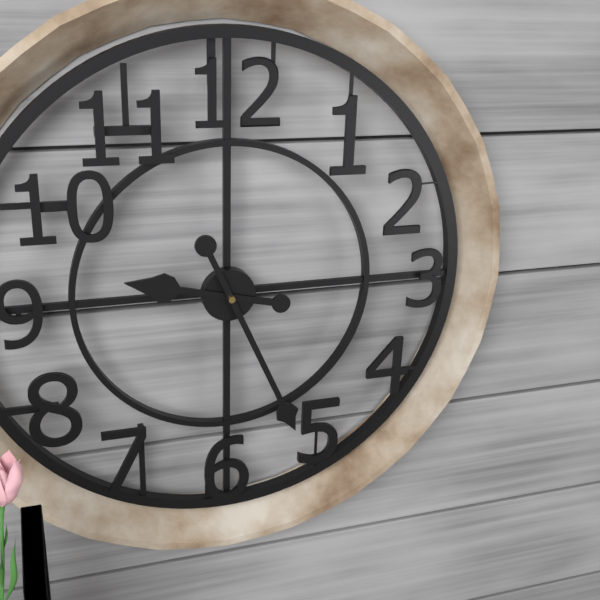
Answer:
9:26
